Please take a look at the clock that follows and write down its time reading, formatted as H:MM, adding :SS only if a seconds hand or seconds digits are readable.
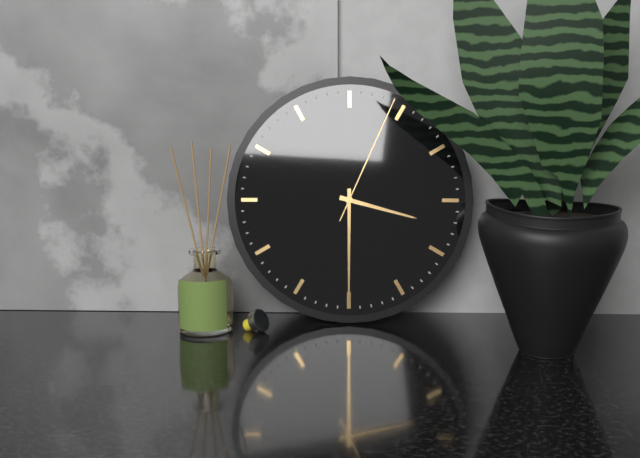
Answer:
3:30:04
